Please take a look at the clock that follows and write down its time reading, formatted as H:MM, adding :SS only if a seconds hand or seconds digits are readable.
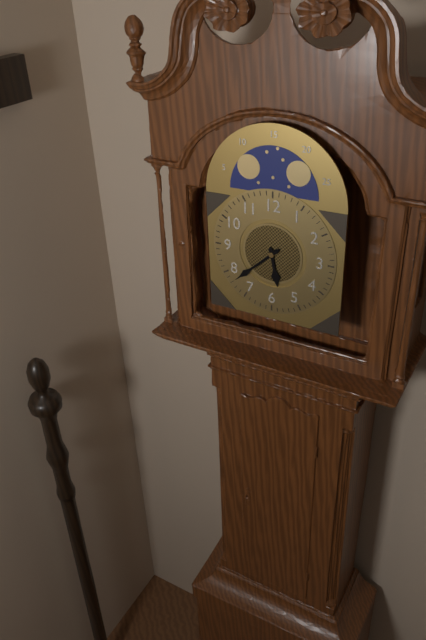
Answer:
5:38
